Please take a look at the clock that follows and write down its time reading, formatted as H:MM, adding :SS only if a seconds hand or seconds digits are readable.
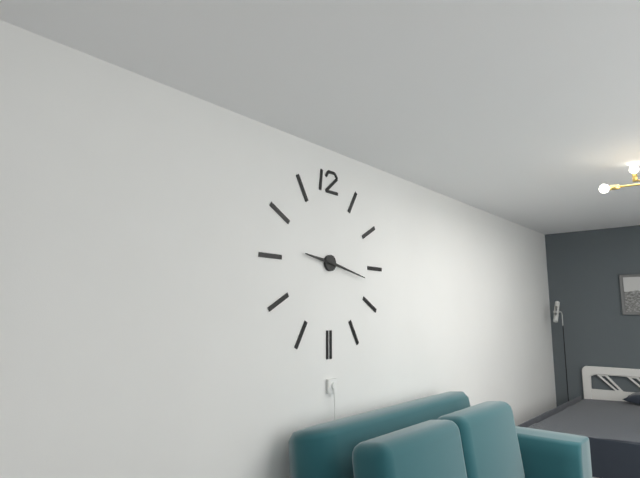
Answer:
9:17
